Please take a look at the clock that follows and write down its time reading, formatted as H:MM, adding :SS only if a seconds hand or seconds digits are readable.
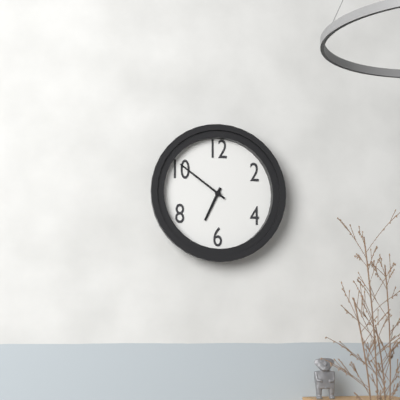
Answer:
6:51
